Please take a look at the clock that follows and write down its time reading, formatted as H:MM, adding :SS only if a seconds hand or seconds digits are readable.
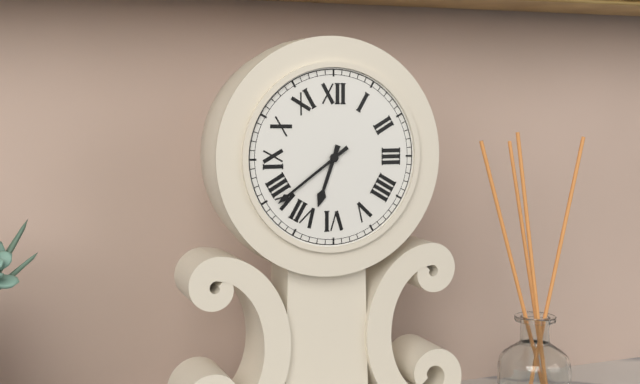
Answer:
6:39
